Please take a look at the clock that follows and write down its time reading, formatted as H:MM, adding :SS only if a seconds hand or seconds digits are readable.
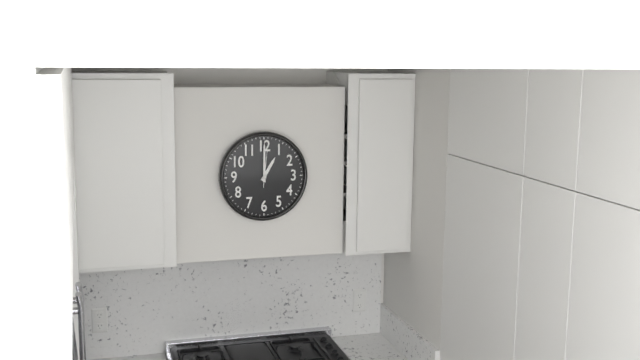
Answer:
1:00
